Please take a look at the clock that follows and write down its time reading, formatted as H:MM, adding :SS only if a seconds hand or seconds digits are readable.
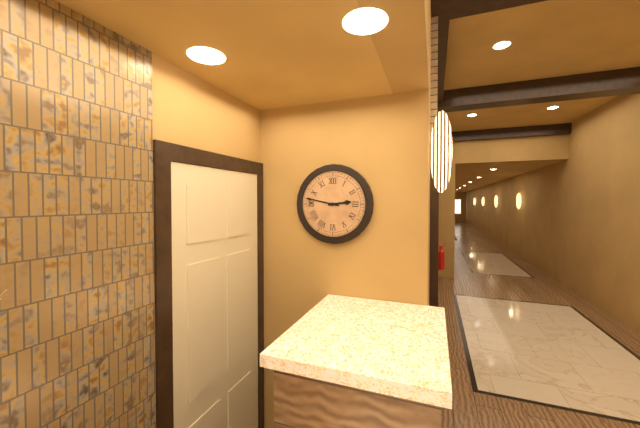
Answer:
2:47
